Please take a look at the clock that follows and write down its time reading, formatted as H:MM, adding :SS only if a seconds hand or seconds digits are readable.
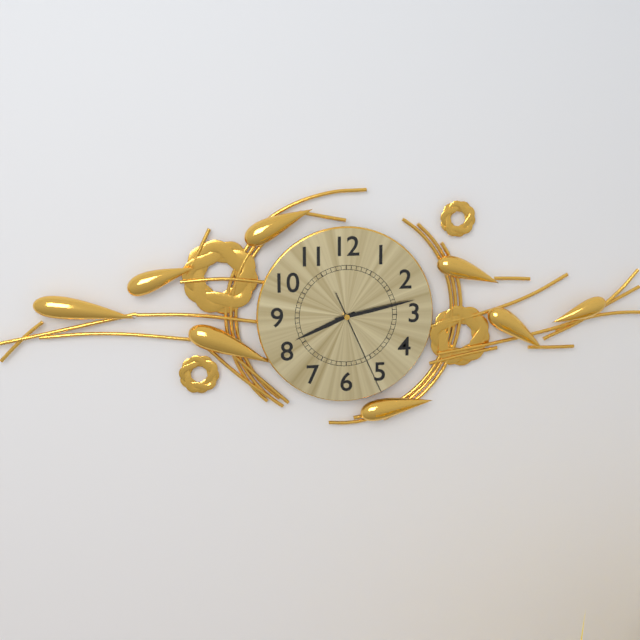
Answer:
8:13:26
